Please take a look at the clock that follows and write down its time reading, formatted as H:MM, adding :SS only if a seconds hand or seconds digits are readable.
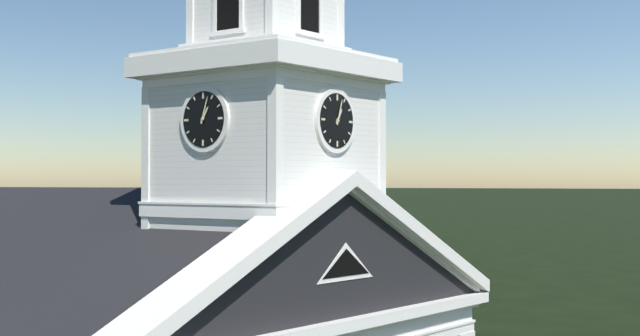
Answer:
1:03
